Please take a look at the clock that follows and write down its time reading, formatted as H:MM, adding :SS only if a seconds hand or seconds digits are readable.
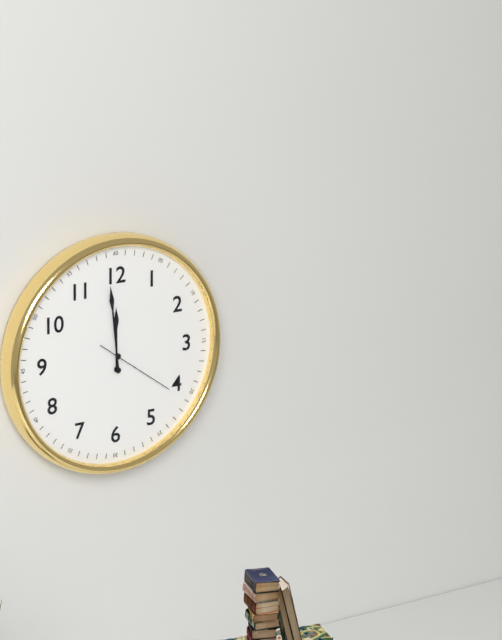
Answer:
11:59:21
